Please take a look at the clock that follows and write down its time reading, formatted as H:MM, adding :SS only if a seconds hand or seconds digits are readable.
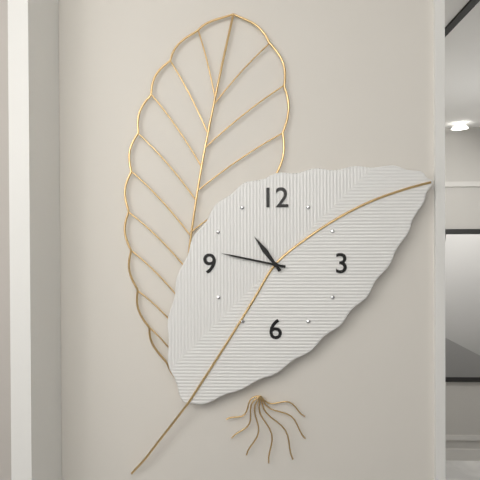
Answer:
10:47
